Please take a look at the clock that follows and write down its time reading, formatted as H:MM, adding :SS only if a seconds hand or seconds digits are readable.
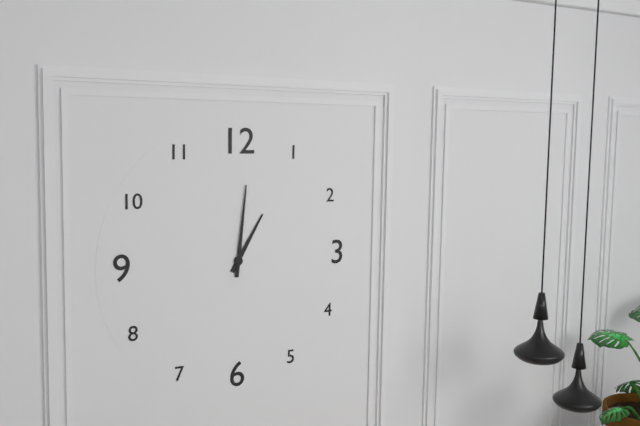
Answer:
1:01
